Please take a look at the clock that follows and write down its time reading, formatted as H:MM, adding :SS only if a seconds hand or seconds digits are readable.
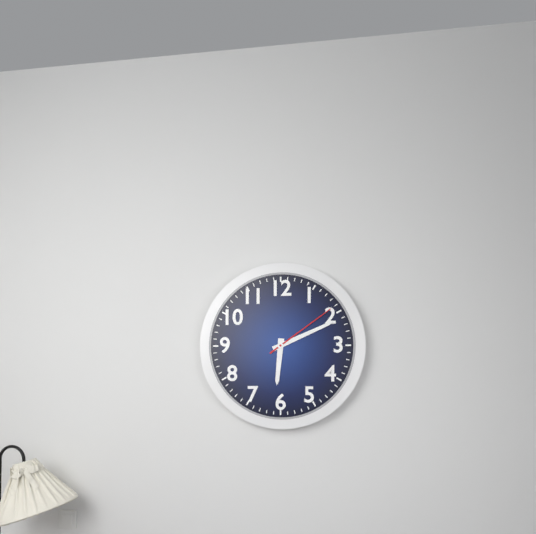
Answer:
6:11:09
